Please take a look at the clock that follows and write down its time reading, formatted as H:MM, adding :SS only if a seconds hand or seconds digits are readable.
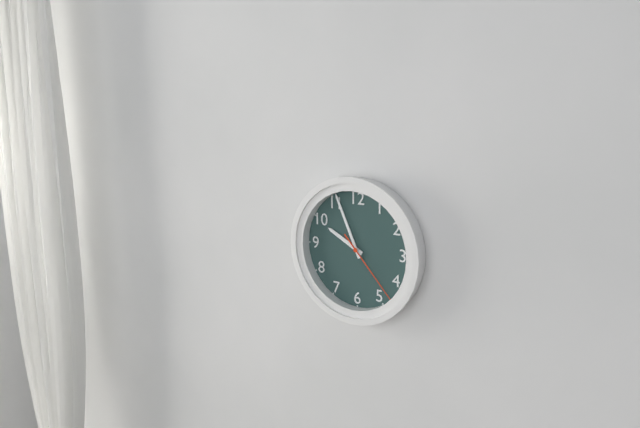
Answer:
9:56:23
